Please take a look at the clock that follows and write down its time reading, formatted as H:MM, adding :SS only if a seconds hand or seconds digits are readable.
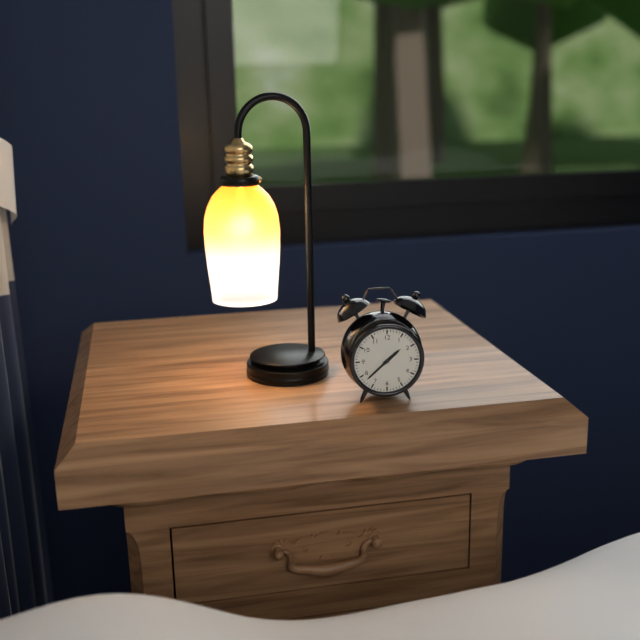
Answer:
1:38
